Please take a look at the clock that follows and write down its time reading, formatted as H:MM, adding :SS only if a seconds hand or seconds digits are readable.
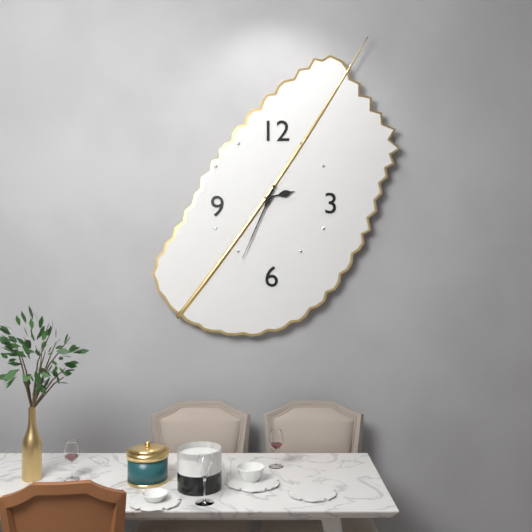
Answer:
2:34:34
